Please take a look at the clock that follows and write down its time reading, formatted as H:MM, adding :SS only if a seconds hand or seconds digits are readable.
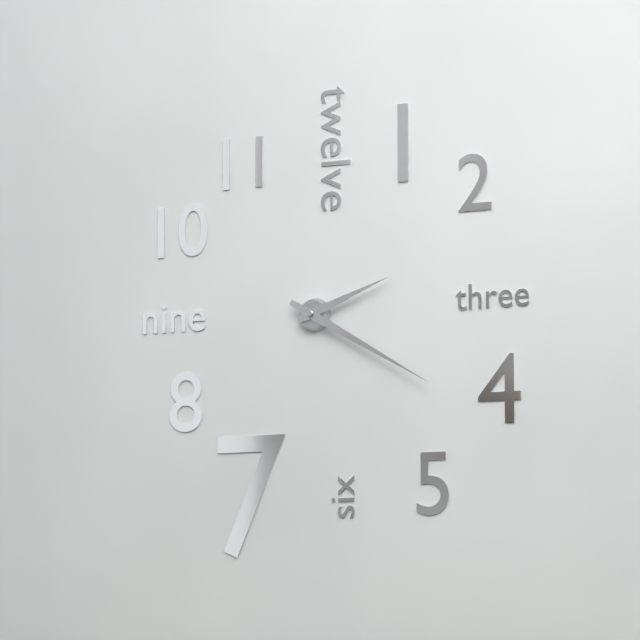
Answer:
2:20
